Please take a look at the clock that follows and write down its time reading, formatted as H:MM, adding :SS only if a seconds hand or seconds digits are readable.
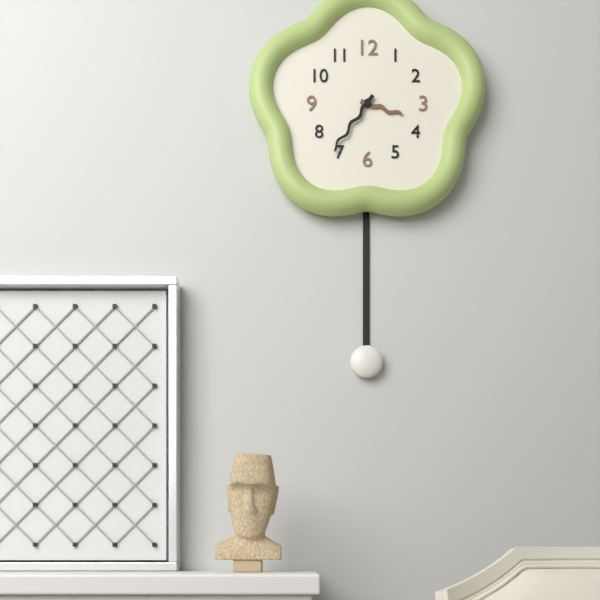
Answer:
3:36
